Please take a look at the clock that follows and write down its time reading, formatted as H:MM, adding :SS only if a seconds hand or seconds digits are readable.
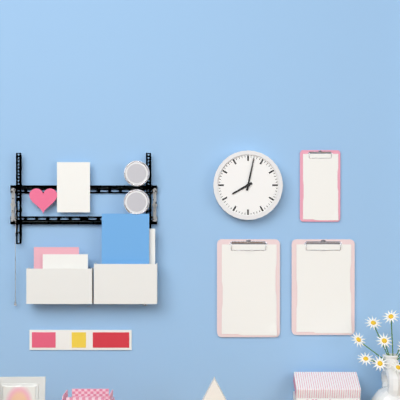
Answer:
8:02
